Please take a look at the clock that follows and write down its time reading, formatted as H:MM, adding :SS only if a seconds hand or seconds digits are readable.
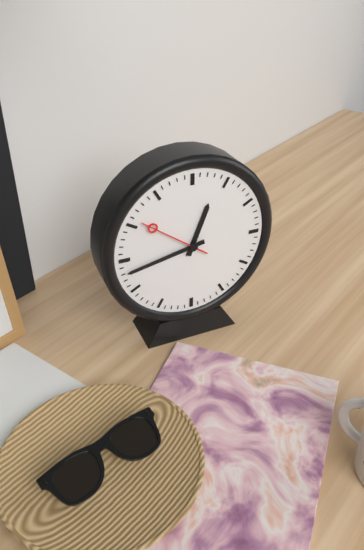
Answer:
12:43:51
